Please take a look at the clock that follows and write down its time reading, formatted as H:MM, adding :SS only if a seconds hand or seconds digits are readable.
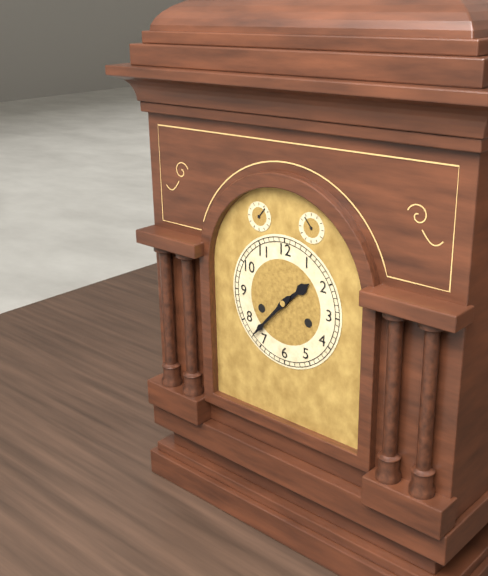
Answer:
1:37
